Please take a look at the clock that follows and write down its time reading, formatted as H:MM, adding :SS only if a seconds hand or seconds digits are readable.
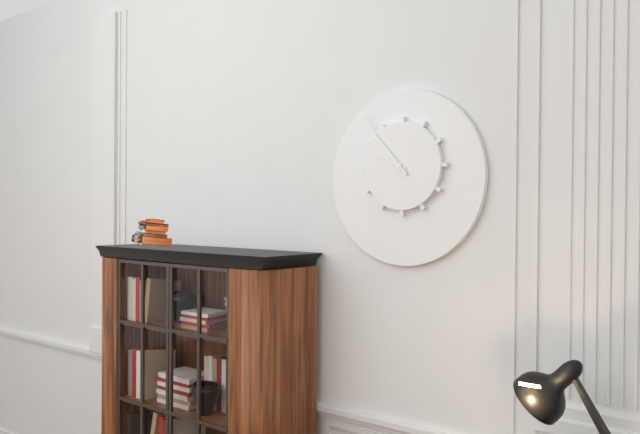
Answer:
9:53
